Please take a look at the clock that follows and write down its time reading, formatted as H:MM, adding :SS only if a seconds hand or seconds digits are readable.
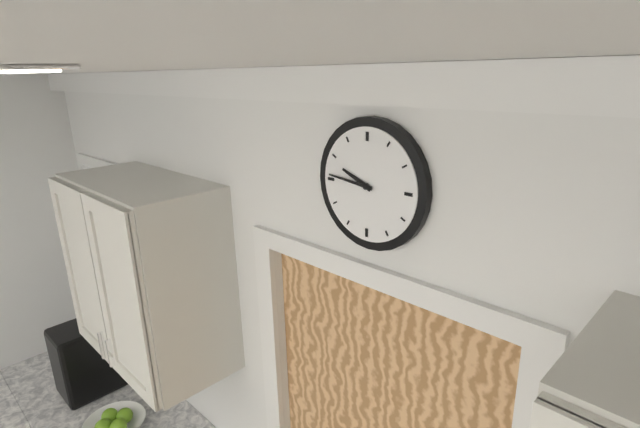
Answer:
9:46
